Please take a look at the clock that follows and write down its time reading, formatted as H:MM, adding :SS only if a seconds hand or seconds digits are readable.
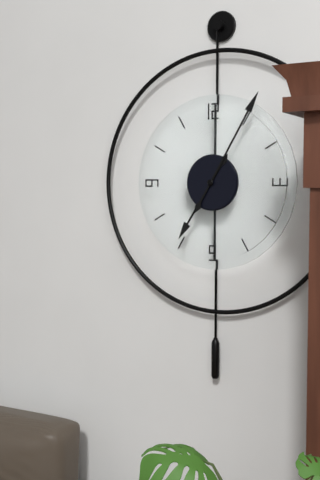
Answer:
7:05
